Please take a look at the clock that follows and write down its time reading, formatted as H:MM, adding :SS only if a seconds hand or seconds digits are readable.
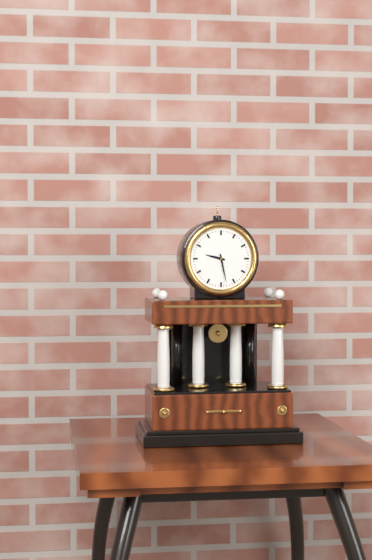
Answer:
9:28
